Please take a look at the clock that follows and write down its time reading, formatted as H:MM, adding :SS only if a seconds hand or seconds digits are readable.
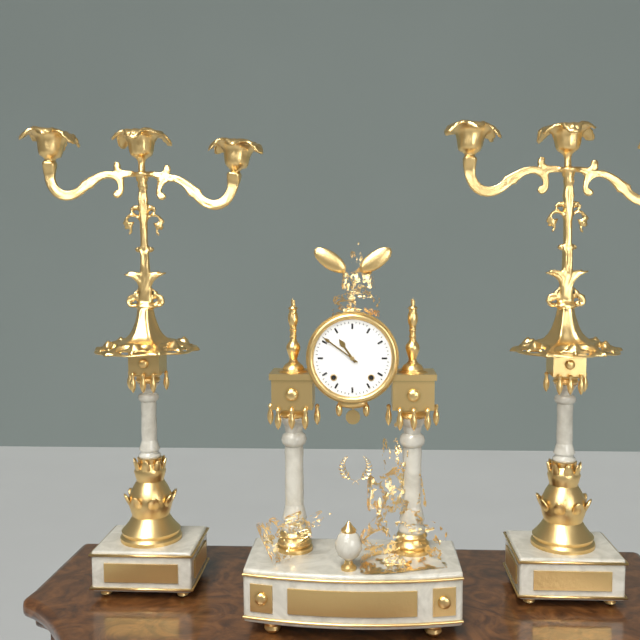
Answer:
10:51
